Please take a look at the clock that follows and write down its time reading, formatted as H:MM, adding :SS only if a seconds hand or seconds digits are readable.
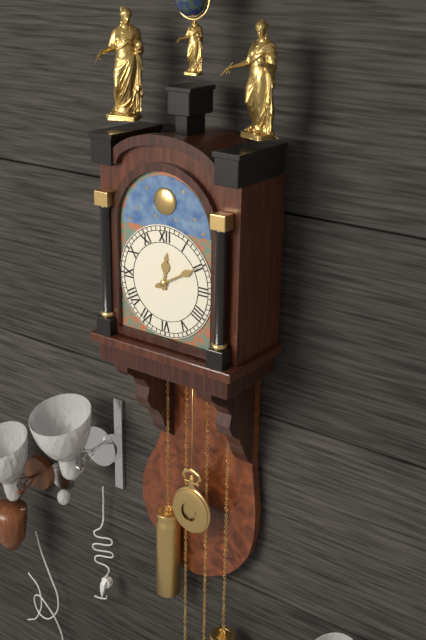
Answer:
12:10
